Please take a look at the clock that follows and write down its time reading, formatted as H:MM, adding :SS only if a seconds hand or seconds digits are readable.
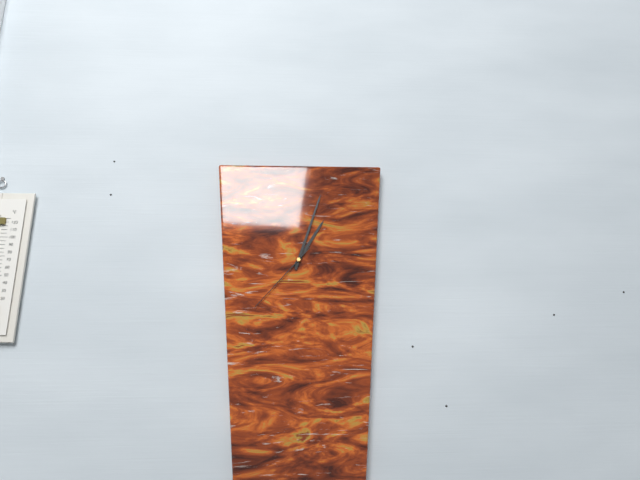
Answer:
1:03:37
